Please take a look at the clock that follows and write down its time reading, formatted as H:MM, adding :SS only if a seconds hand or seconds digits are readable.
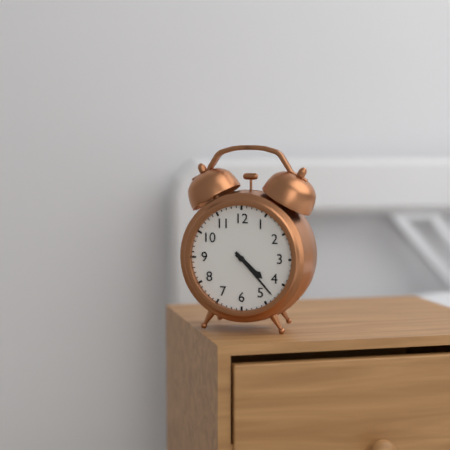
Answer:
4:23
